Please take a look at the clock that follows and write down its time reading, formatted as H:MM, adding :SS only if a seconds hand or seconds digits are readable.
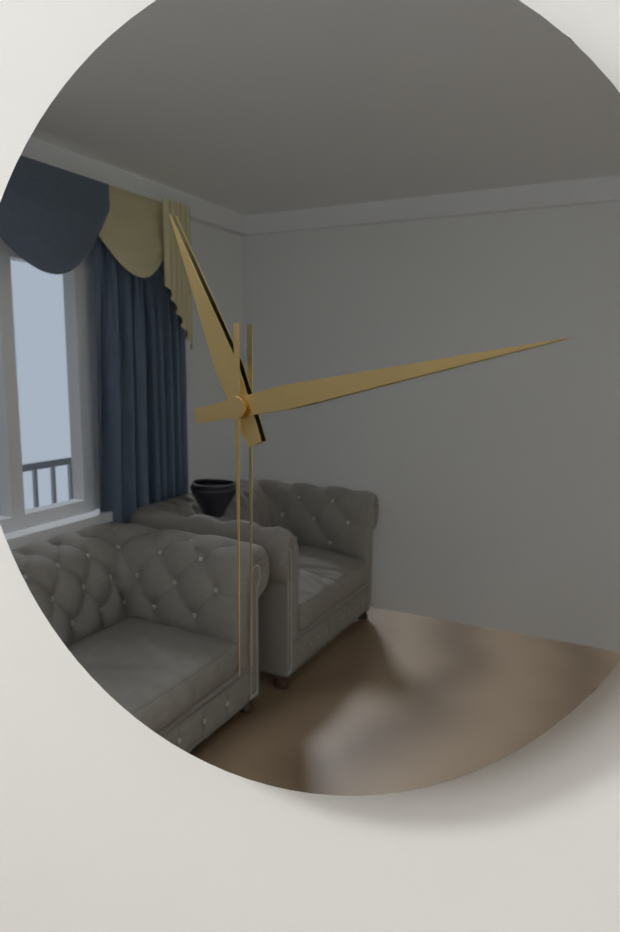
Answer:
11:13:30
